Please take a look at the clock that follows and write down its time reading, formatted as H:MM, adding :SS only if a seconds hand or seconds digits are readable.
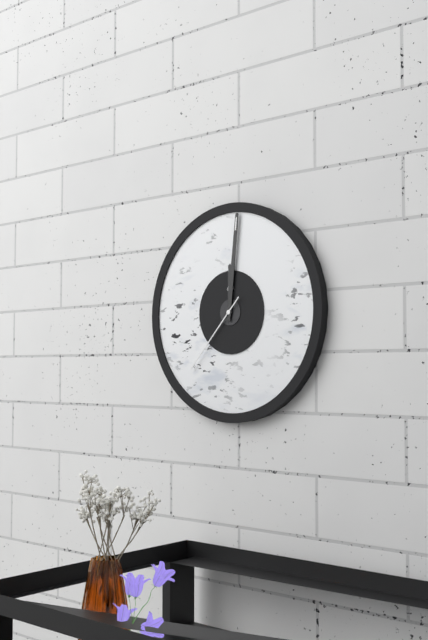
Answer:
12:01:37
